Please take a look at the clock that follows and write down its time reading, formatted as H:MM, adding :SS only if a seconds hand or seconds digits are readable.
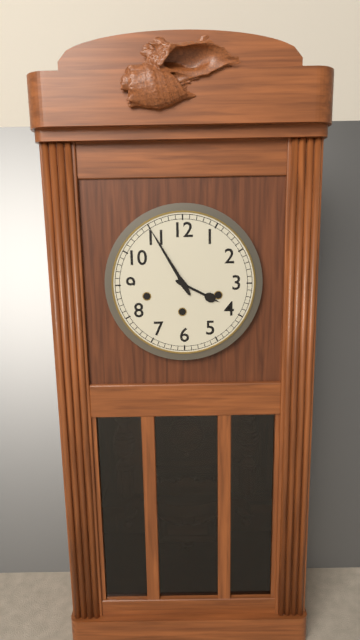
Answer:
3:55
